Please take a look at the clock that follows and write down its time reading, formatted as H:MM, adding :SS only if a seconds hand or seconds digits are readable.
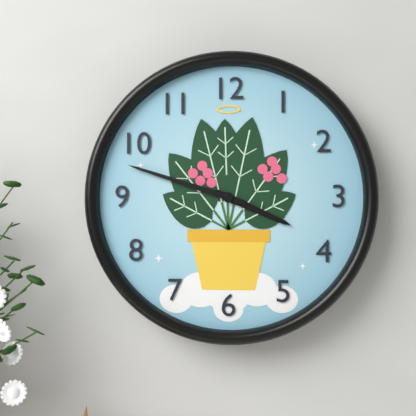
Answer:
3:48
